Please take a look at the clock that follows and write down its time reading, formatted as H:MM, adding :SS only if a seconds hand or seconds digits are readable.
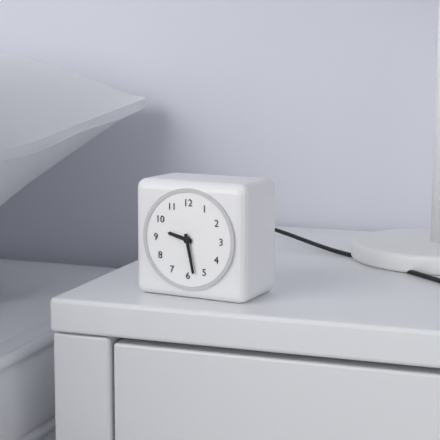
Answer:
9:28
